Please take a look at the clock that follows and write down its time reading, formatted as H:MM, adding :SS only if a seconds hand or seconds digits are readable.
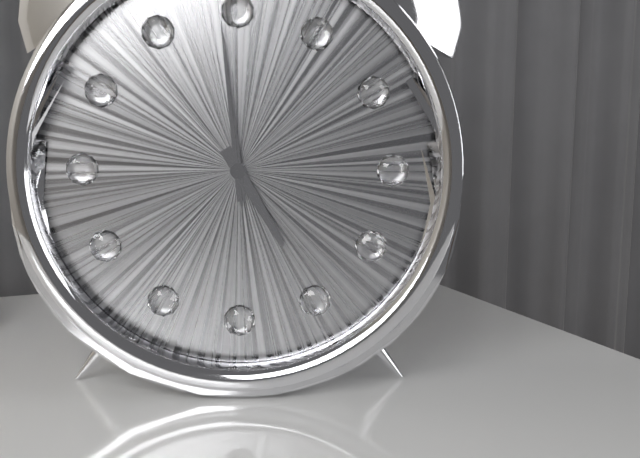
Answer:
4:59:59
